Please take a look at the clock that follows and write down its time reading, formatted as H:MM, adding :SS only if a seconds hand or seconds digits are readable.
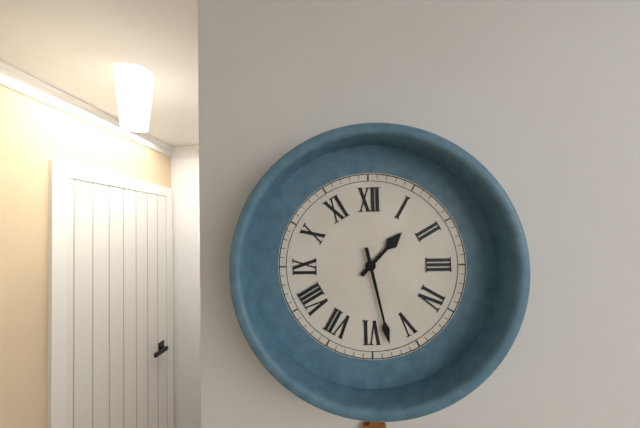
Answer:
1:28
